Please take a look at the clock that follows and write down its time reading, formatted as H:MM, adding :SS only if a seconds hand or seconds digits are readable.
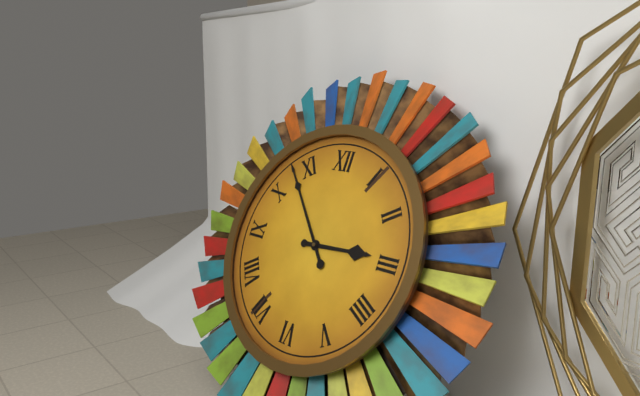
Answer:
2:53
